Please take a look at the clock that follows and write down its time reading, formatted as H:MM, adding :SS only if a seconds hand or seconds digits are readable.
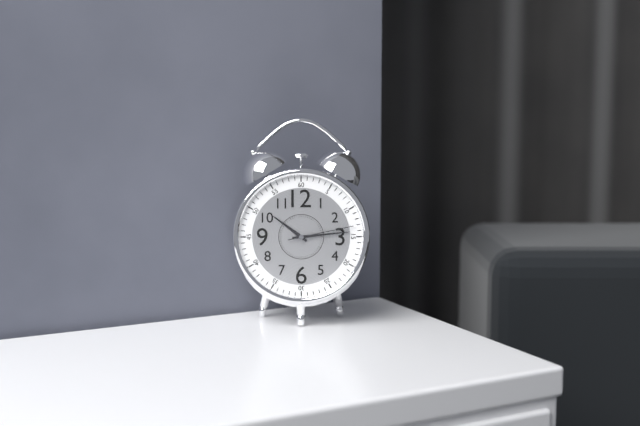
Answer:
10:14:13
